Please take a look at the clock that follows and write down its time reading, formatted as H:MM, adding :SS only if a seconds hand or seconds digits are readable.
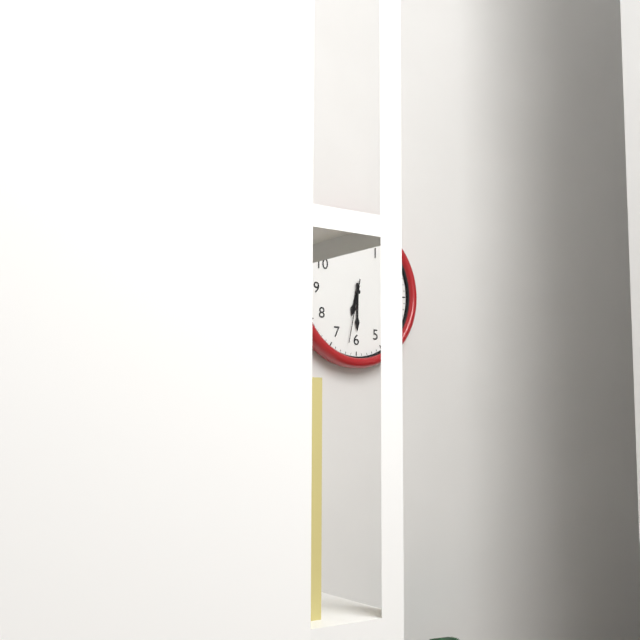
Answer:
6:30:32
